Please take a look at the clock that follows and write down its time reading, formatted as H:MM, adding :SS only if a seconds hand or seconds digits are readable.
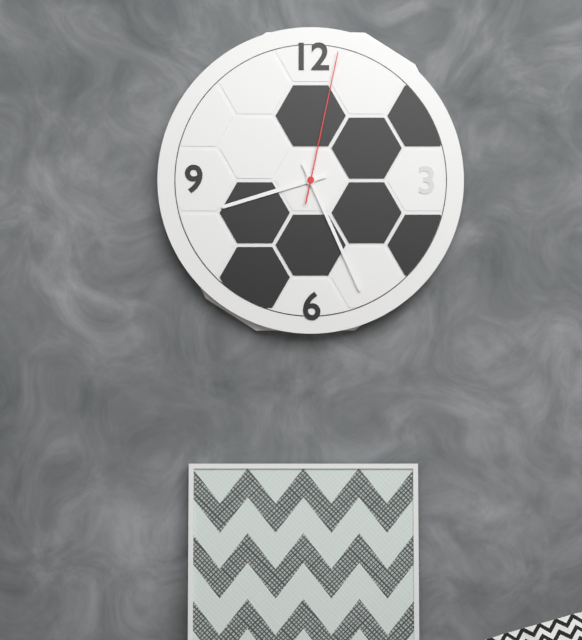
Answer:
8:26:02
